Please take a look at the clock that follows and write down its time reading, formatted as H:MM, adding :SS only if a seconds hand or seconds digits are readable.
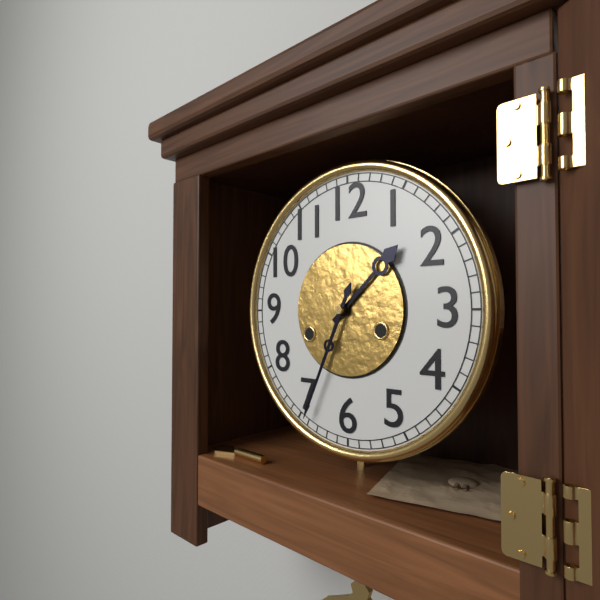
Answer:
1:34
